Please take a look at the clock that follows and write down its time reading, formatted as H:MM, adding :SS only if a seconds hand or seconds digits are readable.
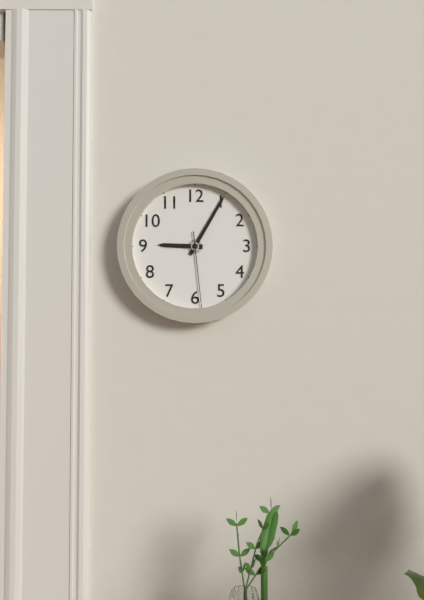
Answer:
9:05:29
